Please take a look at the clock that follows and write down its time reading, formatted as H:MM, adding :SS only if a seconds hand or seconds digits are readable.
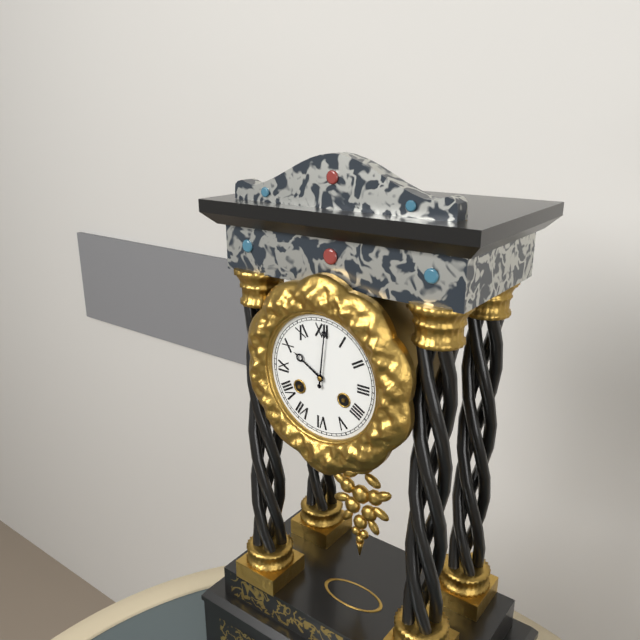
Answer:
10:01
